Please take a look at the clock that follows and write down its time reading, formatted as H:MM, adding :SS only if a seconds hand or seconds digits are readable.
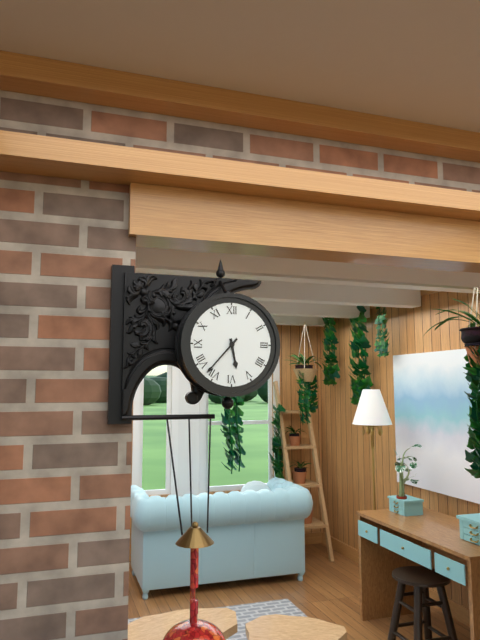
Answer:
5:37
